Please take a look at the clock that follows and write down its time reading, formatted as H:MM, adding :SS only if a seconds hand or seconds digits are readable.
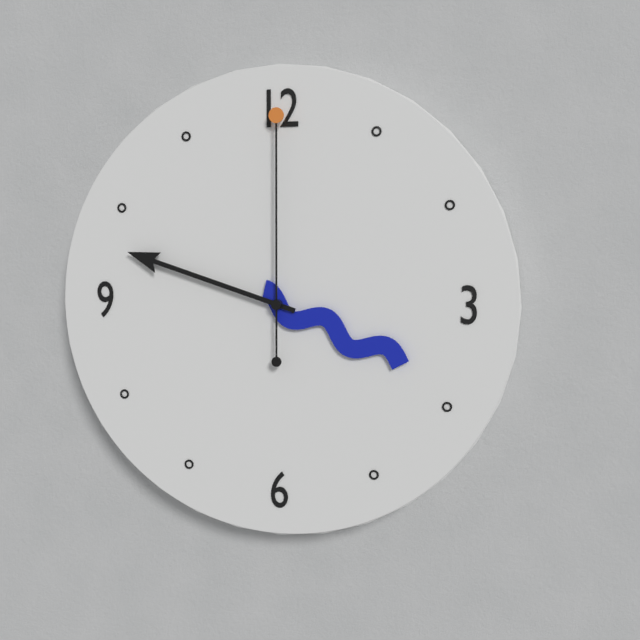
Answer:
3:48:00
